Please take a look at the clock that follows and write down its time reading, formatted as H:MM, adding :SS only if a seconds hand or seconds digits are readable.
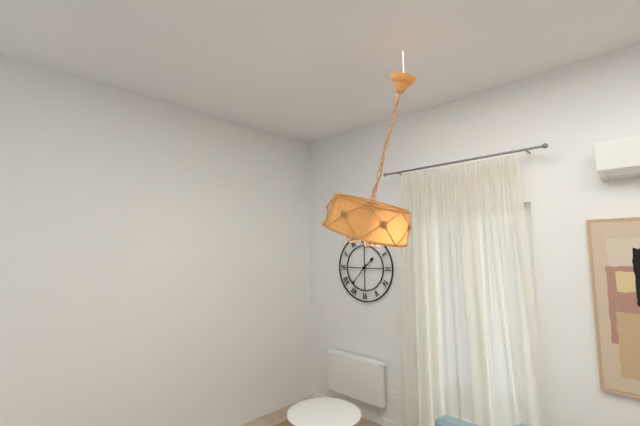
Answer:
1:37
